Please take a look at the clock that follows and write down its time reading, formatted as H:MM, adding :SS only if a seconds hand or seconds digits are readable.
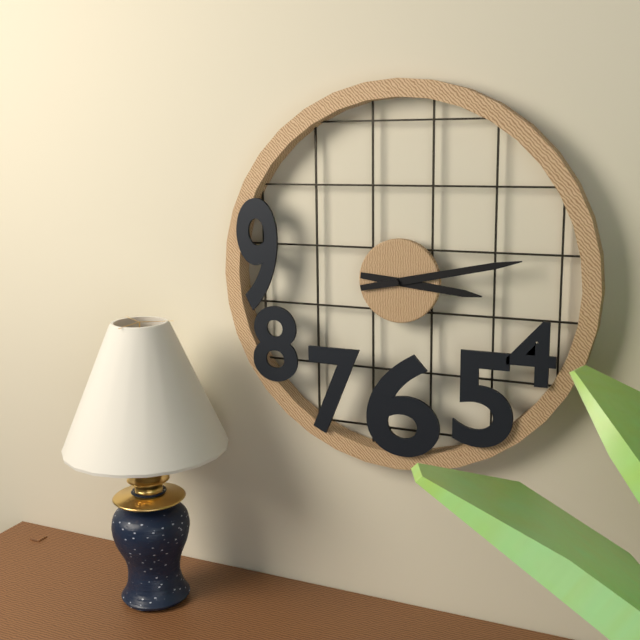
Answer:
3:13
